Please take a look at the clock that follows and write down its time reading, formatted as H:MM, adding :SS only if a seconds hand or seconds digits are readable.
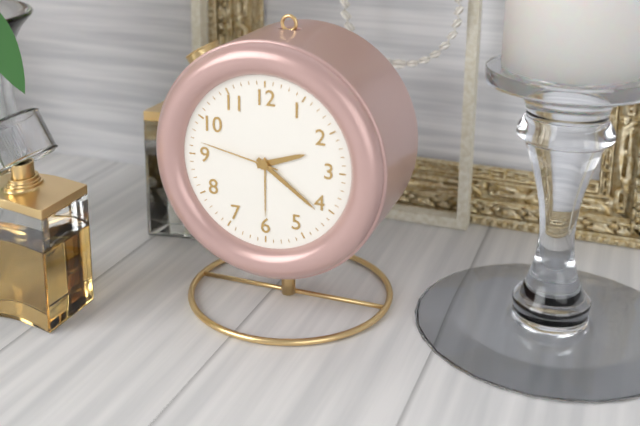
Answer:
2:21:47
